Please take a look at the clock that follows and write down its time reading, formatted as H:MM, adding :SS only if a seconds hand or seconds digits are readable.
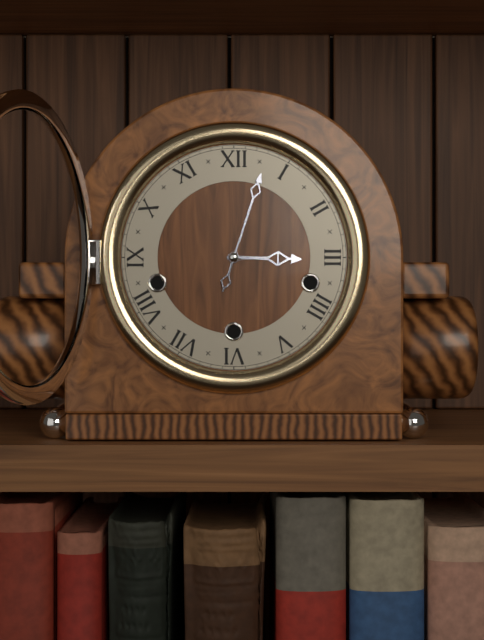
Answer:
3:03
